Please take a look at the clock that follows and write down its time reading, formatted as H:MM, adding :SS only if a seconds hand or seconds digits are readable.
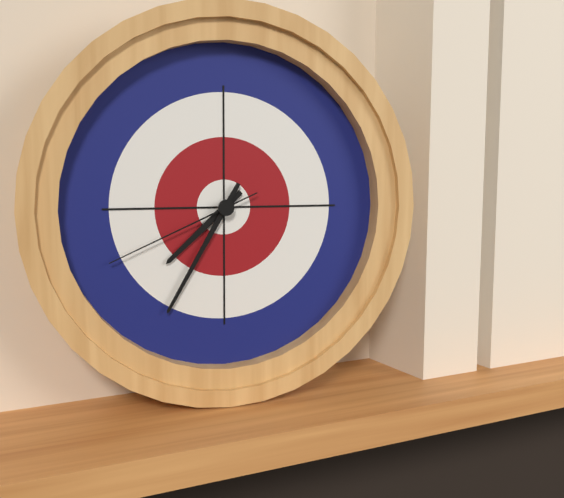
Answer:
7:35:41
